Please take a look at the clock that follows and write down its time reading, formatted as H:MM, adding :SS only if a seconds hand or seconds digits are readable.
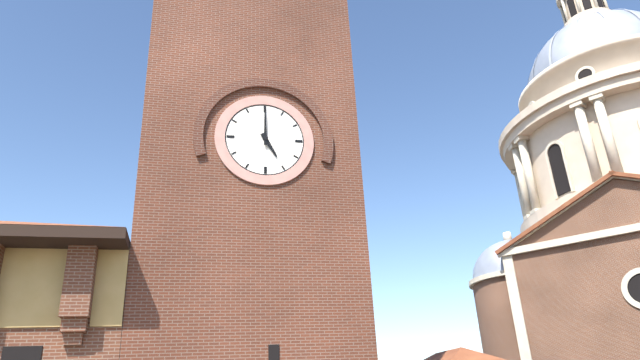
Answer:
5:00
